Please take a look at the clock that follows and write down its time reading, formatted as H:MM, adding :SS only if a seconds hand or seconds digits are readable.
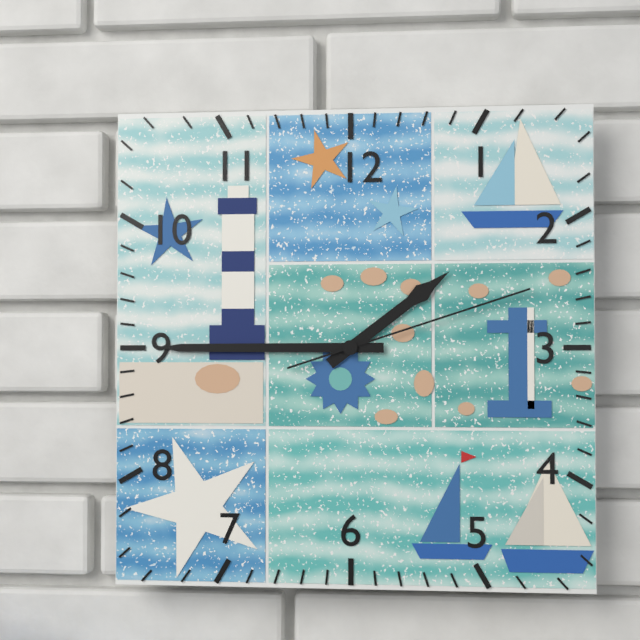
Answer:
1:45:12
